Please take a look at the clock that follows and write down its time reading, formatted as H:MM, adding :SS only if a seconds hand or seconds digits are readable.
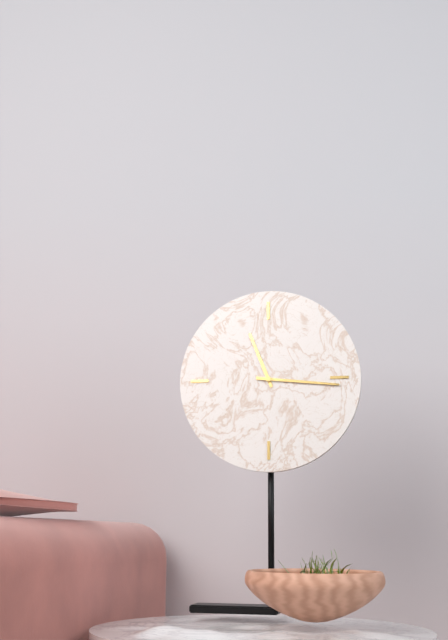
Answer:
11:16
